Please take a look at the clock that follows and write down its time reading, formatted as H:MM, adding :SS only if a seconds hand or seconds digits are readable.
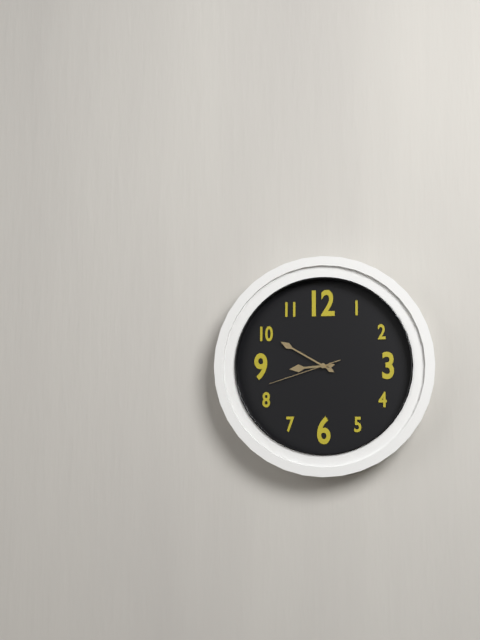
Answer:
8:50:42
